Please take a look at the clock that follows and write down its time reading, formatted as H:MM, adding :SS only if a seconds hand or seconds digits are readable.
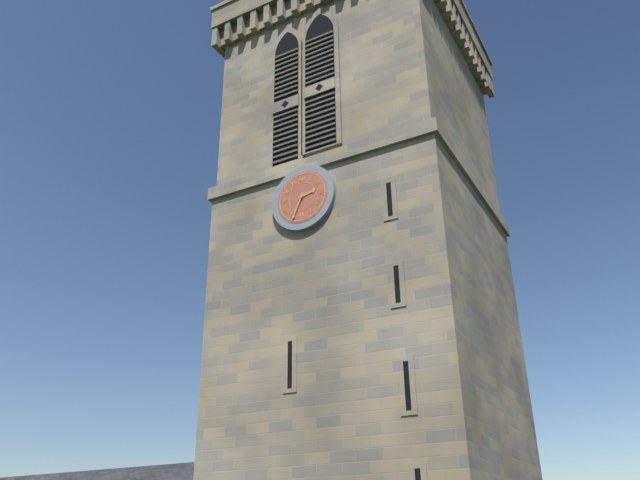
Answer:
2:34
